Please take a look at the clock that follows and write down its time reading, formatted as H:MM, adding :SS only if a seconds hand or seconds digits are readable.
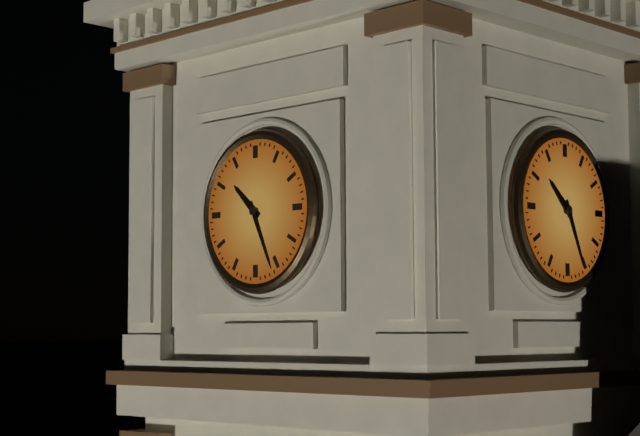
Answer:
10:26
